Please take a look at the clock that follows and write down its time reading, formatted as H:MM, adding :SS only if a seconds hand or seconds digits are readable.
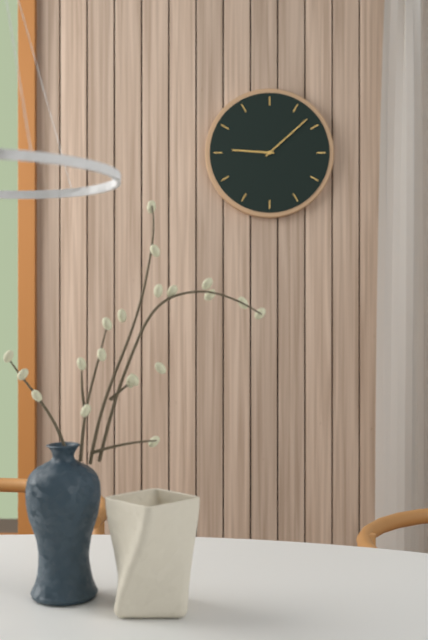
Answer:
9:08
